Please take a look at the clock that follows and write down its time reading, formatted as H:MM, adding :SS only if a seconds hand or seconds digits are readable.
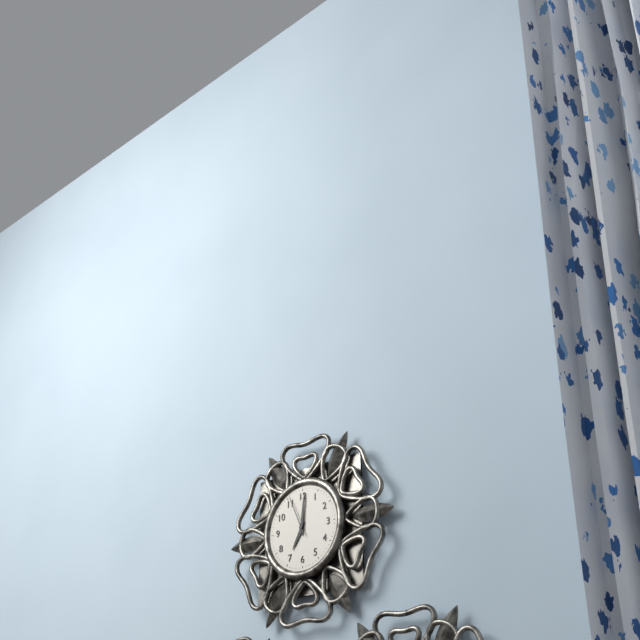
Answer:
7:01
